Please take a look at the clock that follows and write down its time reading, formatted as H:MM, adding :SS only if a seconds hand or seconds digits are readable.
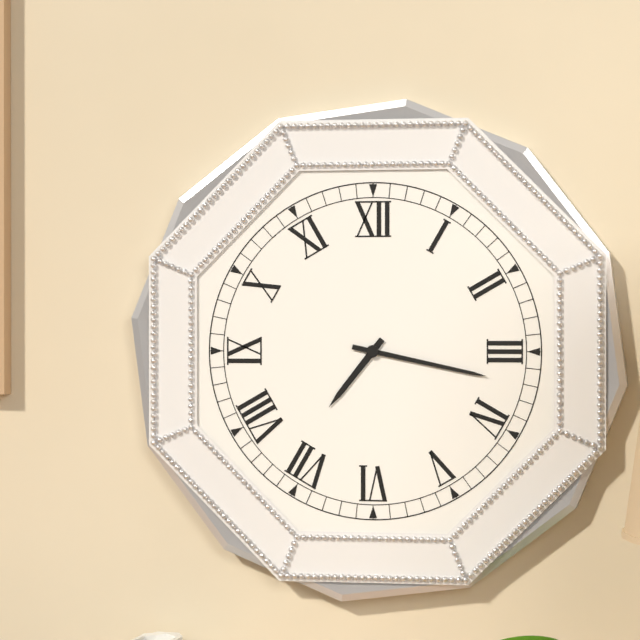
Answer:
7:17
